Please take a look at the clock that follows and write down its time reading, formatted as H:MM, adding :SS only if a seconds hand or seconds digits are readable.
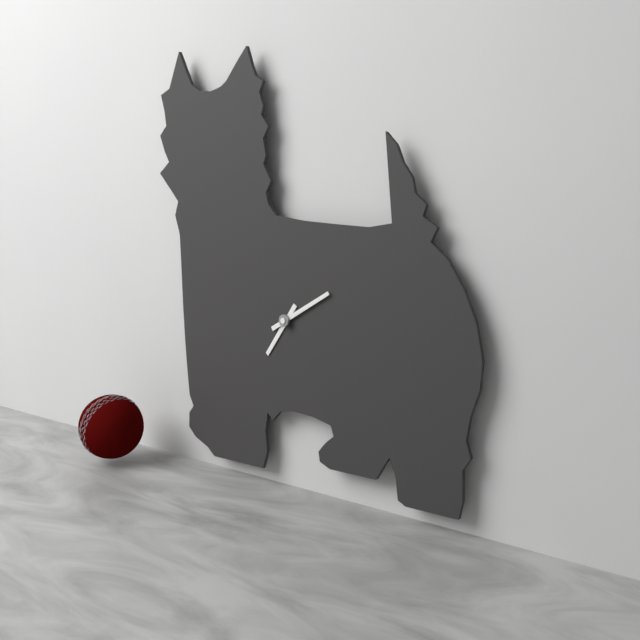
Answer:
7:10
